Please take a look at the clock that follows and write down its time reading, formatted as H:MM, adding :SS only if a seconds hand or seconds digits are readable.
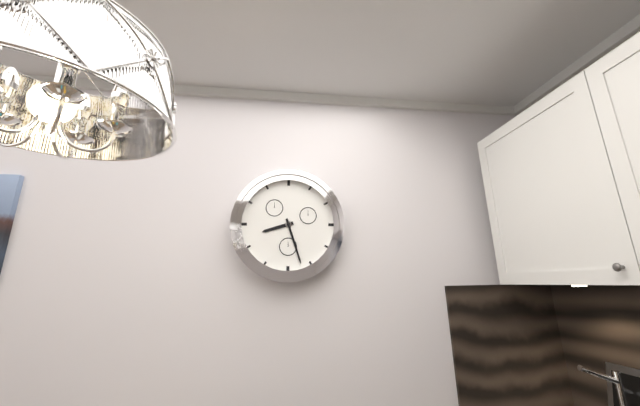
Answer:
8:27
